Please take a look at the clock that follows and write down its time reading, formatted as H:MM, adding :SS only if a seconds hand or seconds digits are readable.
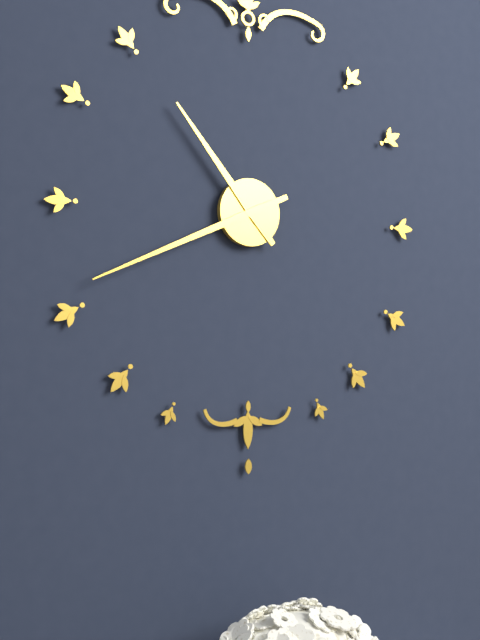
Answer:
10:41
